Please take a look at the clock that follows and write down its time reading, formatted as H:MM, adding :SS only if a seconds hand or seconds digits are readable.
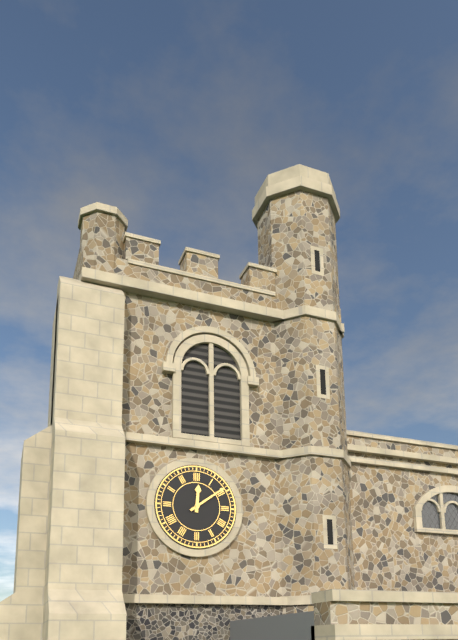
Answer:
12:09
